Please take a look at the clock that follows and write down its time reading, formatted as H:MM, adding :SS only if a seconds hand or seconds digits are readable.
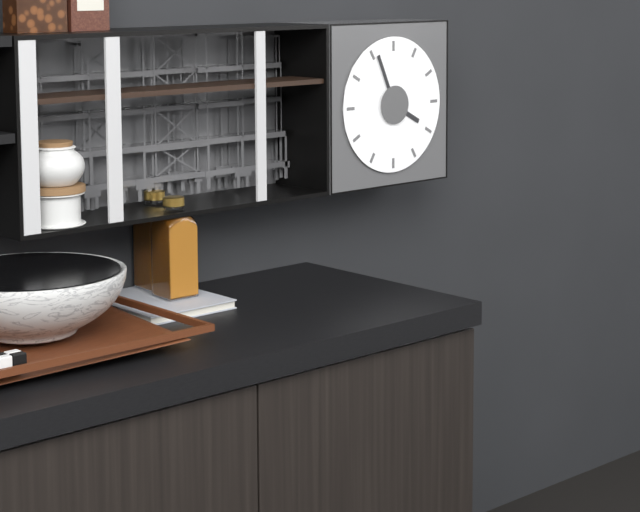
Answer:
3:56
